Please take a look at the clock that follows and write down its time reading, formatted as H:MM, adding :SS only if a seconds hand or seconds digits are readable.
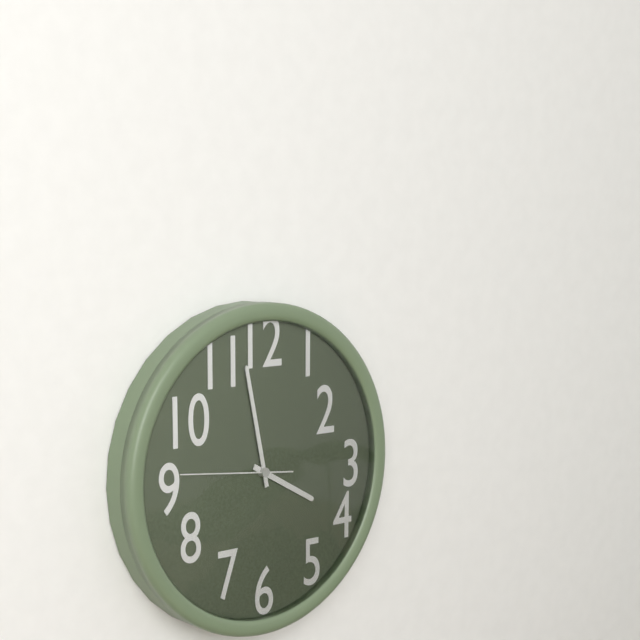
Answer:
3:58:46
